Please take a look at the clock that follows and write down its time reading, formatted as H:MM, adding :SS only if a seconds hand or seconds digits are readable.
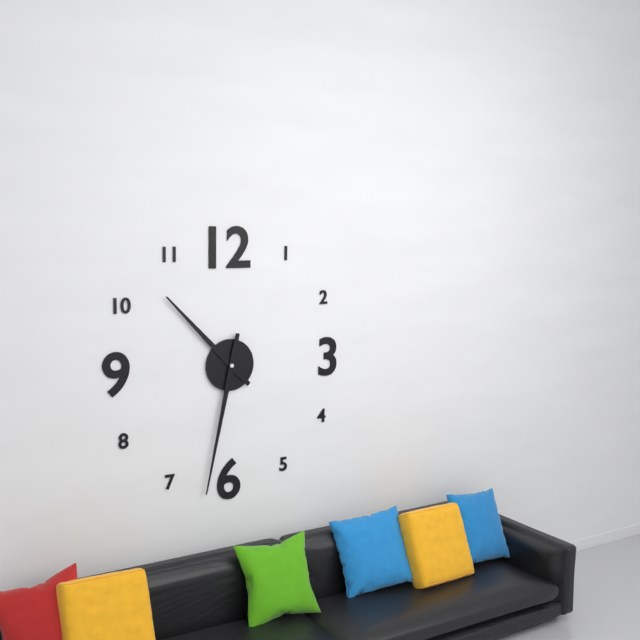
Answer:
10:32
